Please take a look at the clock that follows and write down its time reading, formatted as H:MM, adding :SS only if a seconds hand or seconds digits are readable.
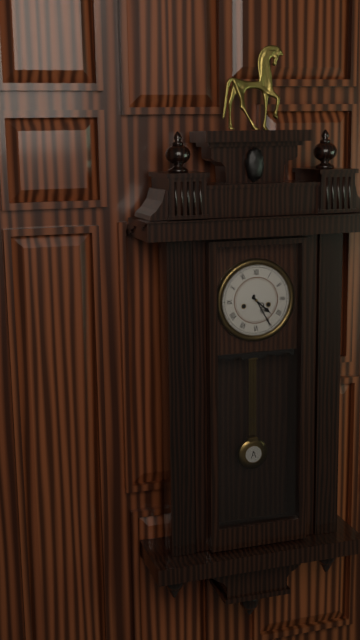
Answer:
4:25
